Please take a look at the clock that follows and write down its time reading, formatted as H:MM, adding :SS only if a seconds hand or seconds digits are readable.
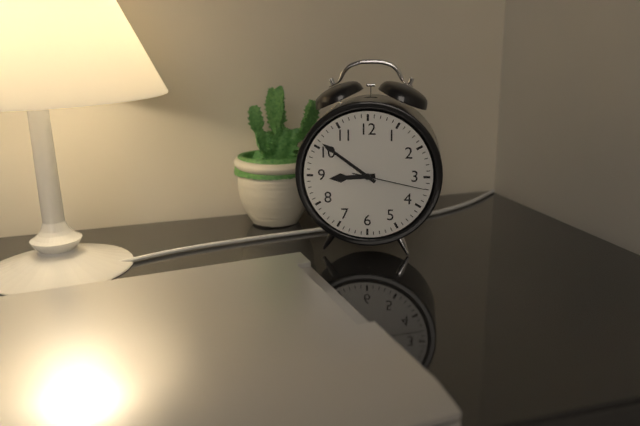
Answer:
8:51:17
